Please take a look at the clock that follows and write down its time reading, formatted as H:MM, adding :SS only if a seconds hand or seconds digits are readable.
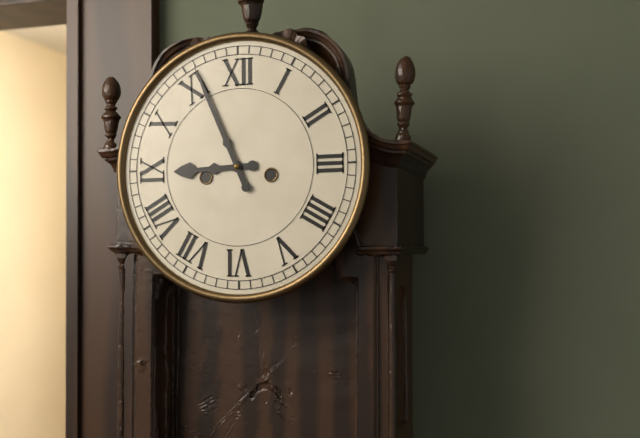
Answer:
8:56
